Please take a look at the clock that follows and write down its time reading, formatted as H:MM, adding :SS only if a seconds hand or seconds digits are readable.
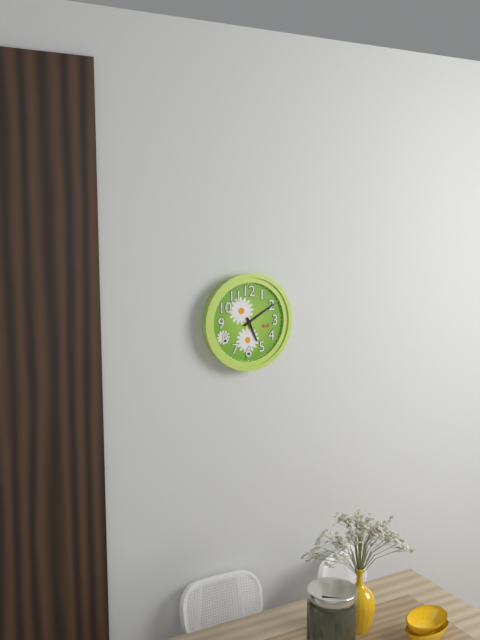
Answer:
5:10
